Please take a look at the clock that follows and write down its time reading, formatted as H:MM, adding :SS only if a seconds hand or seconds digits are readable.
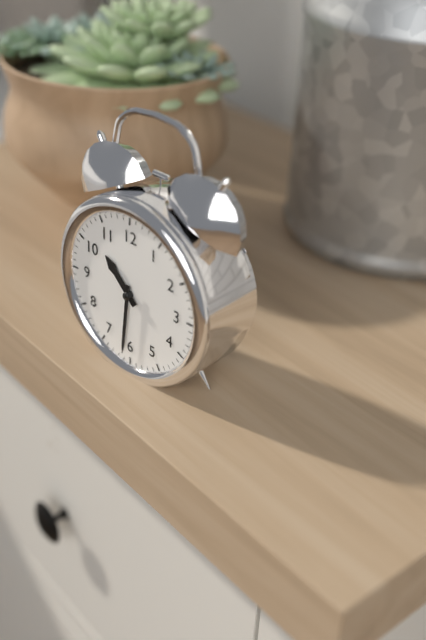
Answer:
10:31
